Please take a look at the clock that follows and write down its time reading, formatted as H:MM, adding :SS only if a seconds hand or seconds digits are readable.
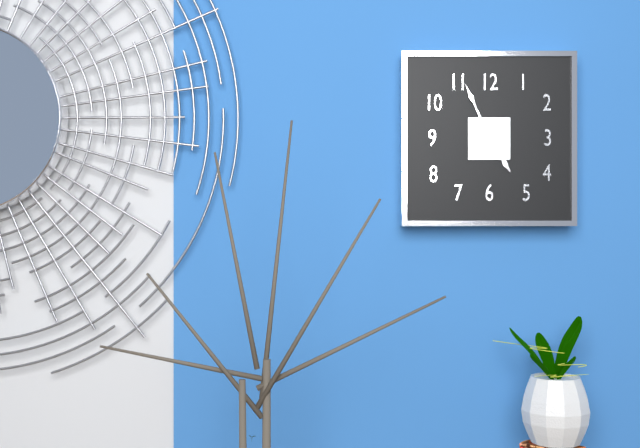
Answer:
4:56
